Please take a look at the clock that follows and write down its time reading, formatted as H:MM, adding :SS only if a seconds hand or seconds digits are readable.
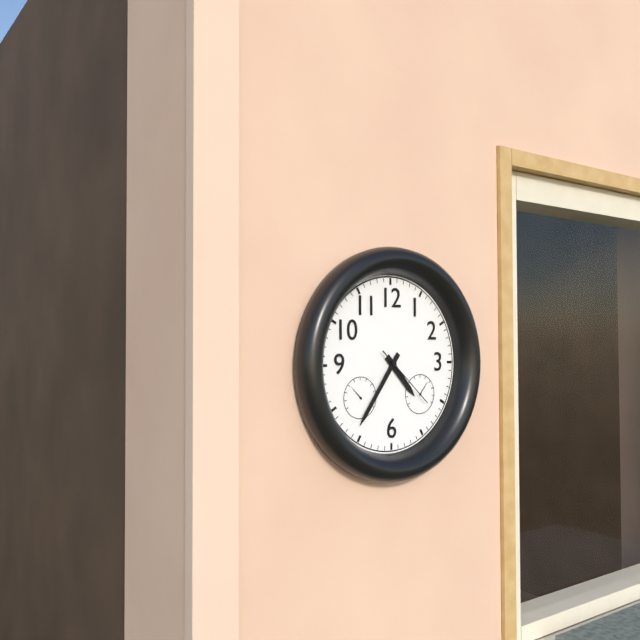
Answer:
4:36:22
